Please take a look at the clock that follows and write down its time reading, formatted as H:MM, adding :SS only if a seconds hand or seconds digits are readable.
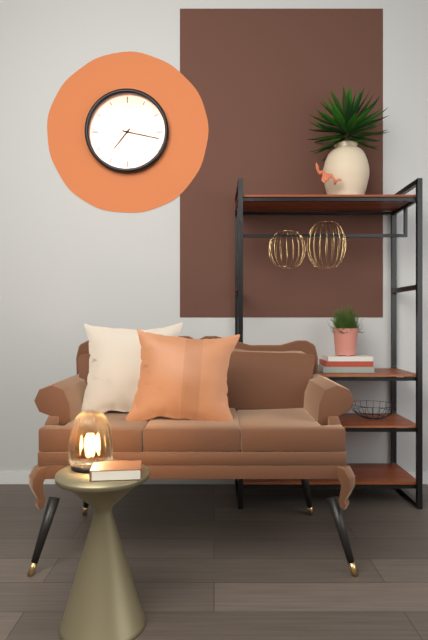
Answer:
7:17
